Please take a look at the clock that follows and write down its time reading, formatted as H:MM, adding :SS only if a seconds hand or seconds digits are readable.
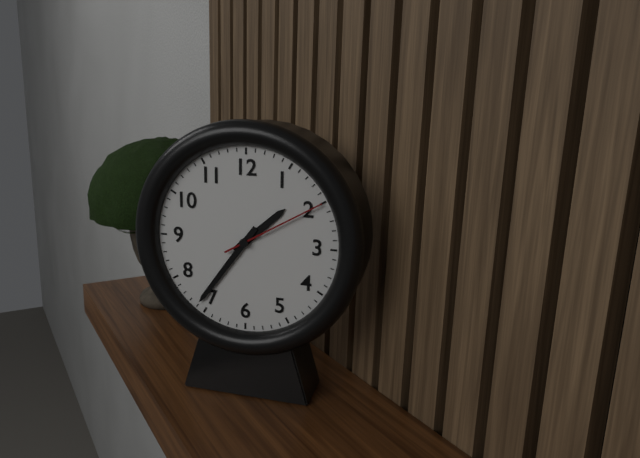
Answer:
1:36:10
